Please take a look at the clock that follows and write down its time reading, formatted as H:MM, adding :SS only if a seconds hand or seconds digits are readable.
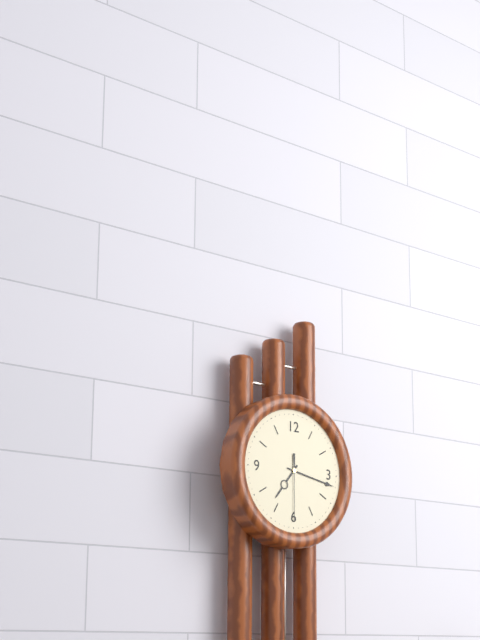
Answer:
7:17:30
